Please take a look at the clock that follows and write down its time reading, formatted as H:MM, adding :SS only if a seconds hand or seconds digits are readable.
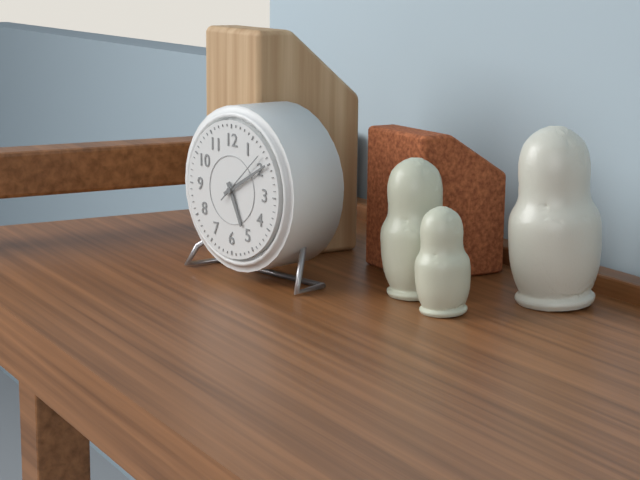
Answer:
5:10:08
